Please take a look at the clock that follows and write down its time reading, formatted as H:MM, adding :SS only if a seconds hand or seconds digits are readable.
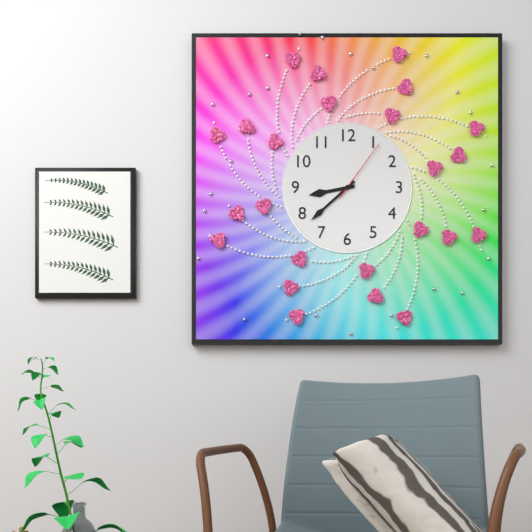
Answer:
8:38:06
